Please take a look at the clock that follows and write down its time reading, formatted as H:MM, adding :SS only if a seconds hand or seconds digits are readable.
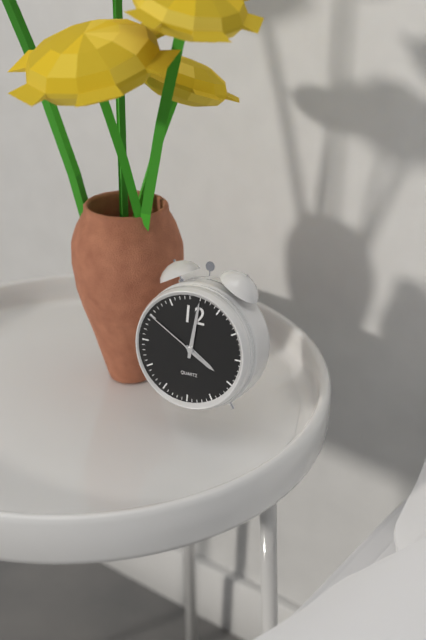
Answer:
4:01:50
